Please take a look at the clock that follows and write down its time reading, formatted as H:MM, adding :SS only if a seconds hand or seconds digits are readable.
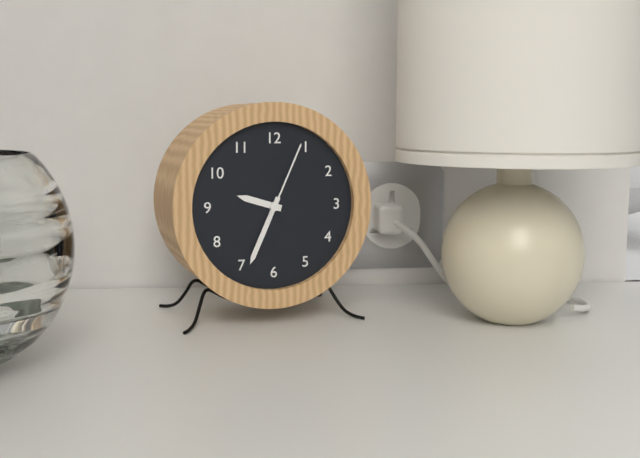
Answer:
9:34:04
